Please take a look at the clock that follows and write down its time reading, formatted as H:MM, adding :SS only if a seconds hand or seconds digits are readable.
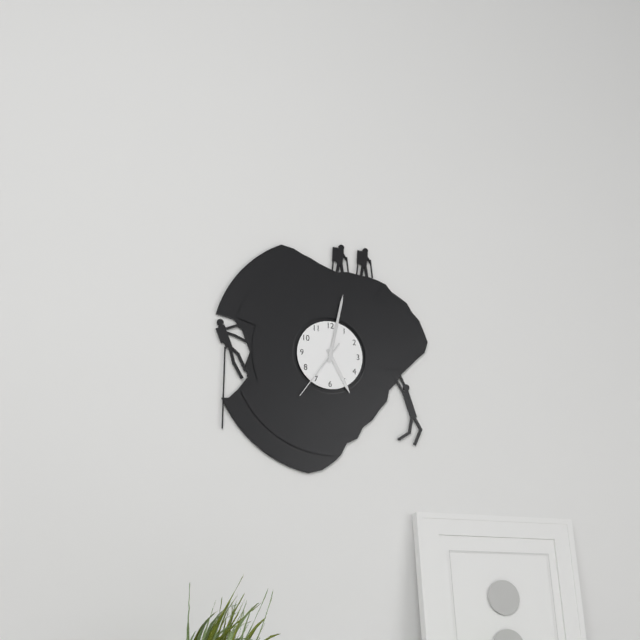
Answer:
5:02:36
